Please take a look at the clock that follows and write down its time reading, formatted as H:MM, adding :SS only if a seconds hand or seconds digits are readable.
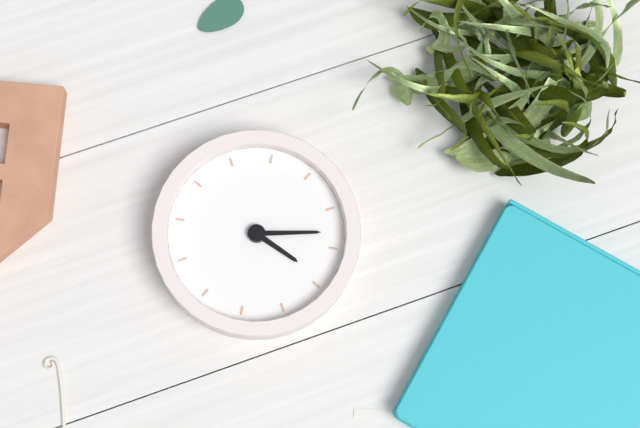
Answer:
10:48
